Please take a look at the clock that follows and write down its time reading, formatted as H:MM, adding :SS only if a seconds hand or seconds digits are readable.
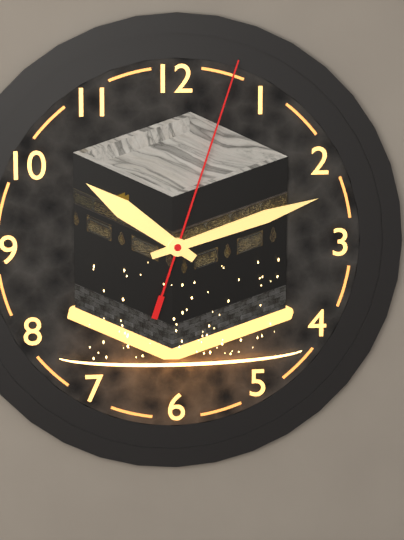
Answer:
10:12:03
